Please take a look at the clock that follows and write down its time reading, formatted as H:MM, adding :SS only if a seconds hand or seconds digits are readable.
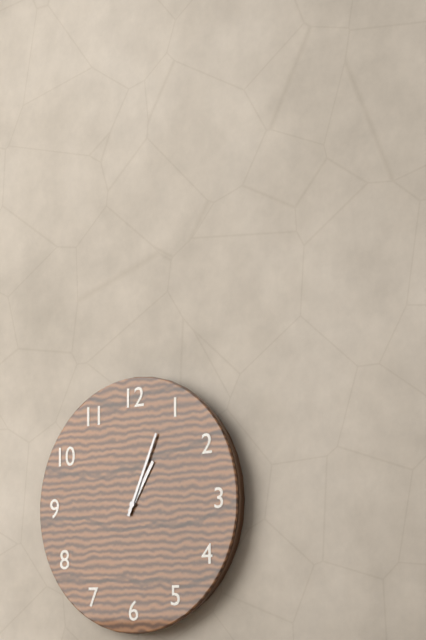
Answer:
1:04
